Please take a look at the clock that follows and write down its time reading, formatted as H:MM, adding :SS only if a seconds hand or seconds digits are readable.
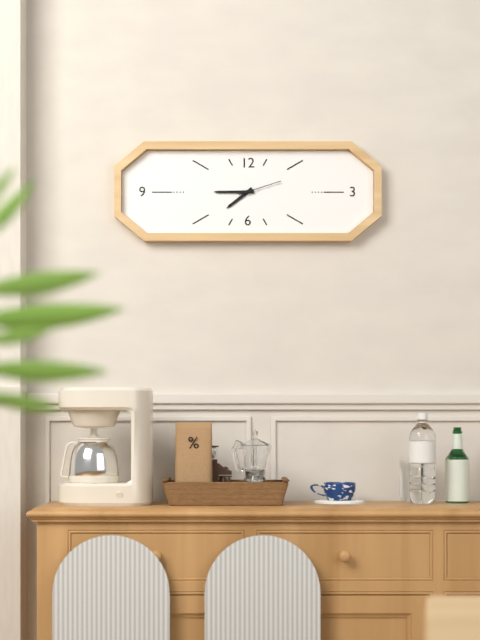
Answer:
7:45
